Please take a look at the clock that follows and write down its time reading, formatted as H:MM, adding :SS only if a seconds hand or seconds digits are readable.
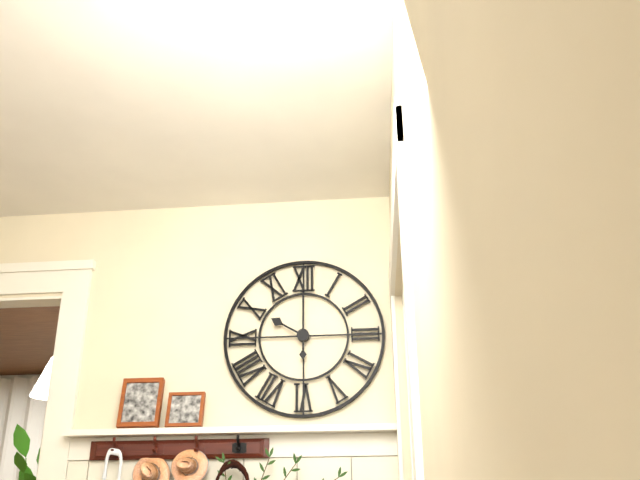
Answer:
10:00
